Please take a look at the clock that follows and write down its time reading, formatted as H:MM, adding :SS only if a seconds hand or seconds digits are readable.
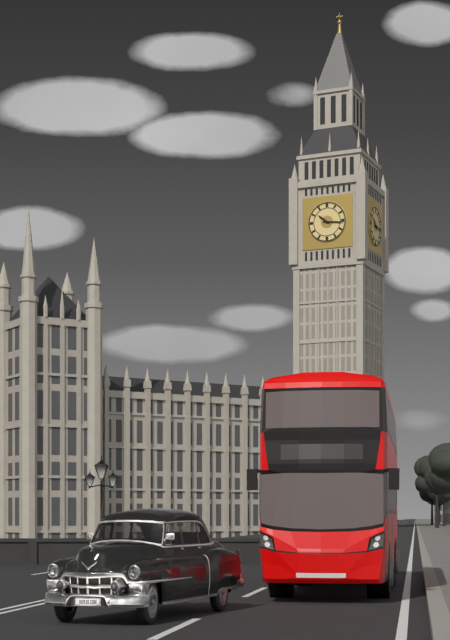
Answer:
10:16
